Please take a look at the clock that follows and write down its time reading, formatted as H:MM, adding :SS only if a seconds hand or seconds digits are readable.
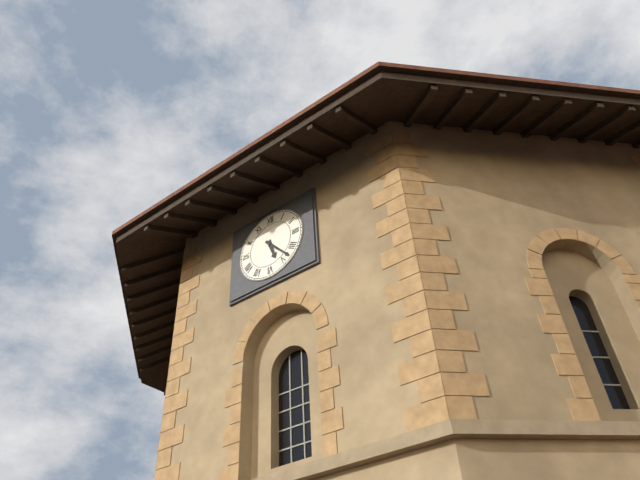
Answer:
5:23
